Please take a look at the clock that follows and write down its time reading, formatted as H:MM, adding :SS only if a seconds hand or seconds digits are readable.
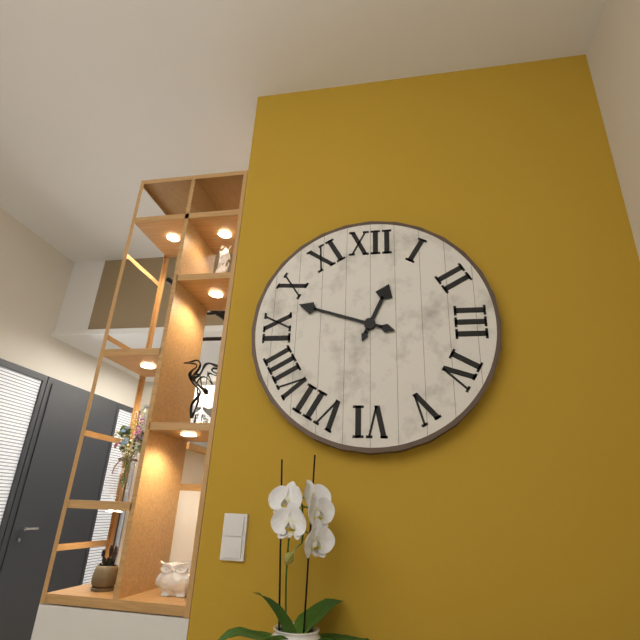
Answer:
12:48
